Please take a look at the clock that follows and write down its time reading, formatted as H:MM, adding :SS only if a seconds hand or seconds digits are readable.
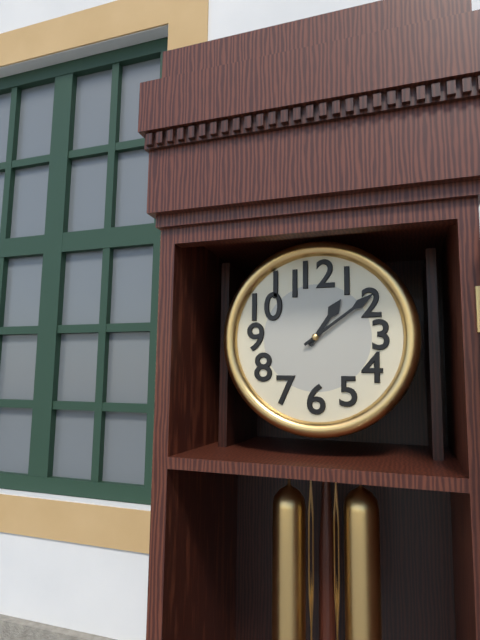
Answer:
1:09
